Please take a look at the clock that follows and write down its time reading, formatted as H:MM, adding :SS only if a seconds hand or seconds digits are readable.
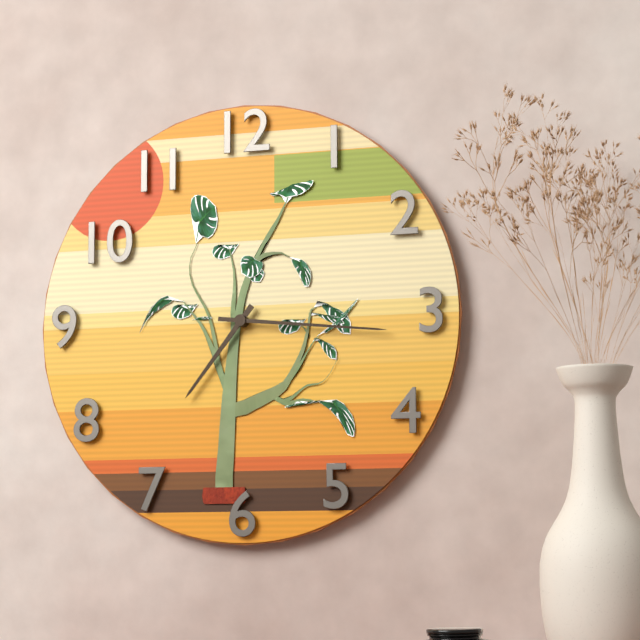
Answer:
7:16
